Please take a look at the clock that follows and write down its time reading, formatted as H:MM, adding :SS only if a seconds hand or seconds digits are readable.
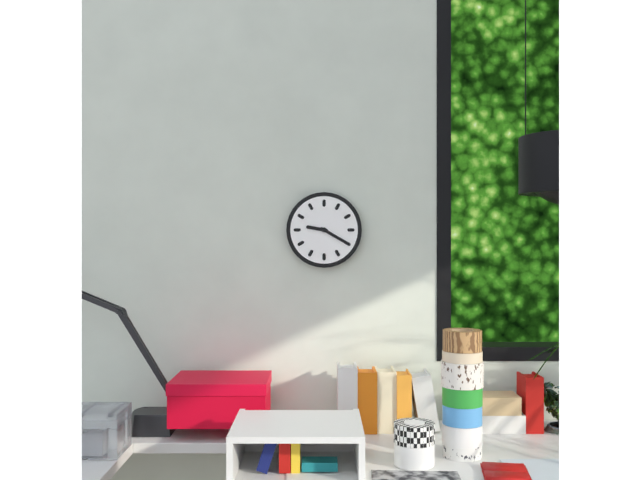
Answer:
9:20
